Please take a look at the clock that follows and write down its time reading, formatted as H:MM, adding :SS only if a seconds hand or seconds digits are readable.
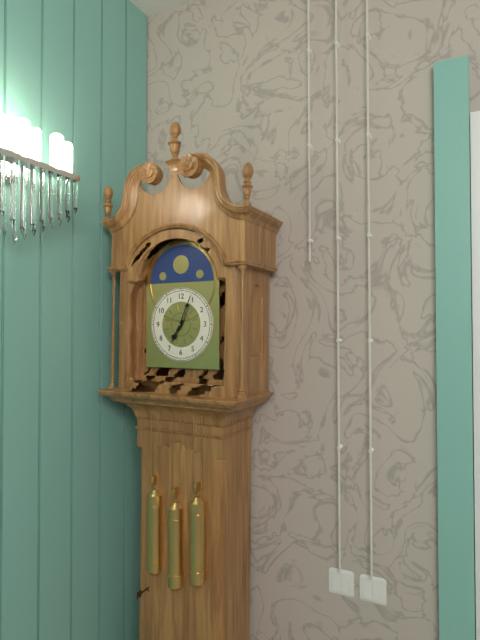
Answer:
7:04
